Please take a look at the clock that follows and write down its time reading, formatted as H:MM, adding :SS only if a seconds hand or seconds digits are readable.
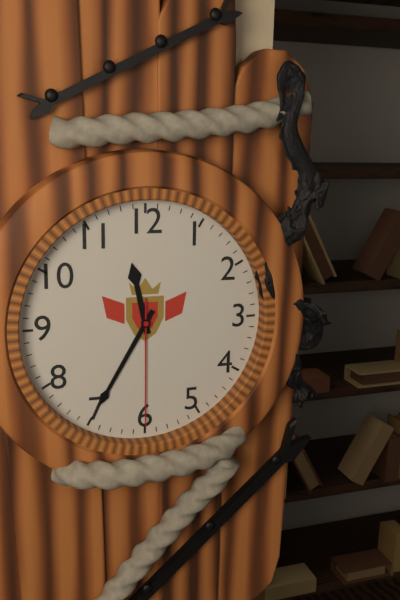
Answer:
11:35:30
